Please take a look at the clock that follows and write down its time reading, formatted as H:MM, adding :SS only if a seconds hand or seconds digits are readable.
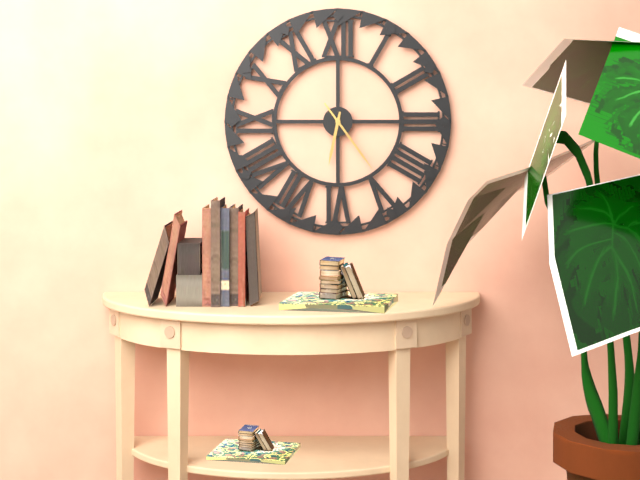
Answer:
6:24
